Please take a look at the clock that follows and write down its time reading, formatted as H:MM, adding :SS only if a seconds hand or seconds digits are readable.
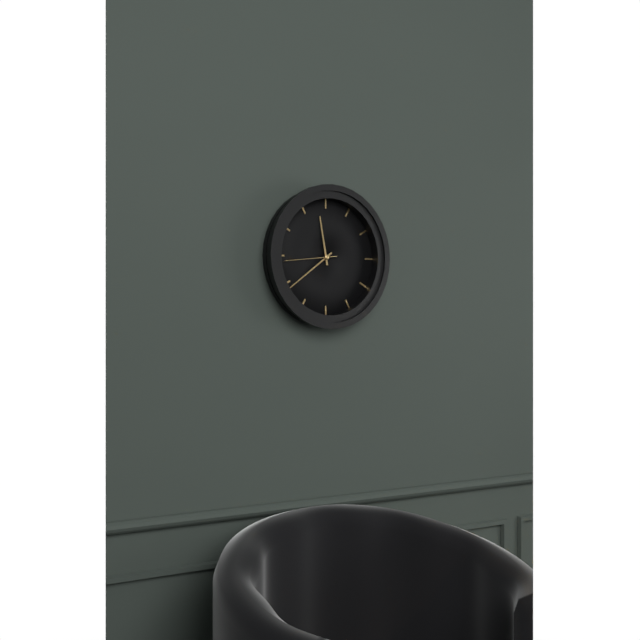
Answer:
11:39:44
